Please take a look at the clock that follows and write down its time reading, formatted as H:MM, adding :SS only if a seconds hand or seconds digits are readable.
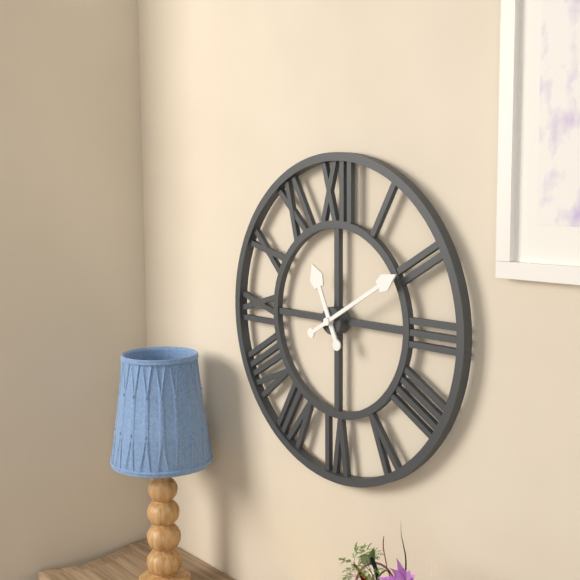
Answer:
11:10
